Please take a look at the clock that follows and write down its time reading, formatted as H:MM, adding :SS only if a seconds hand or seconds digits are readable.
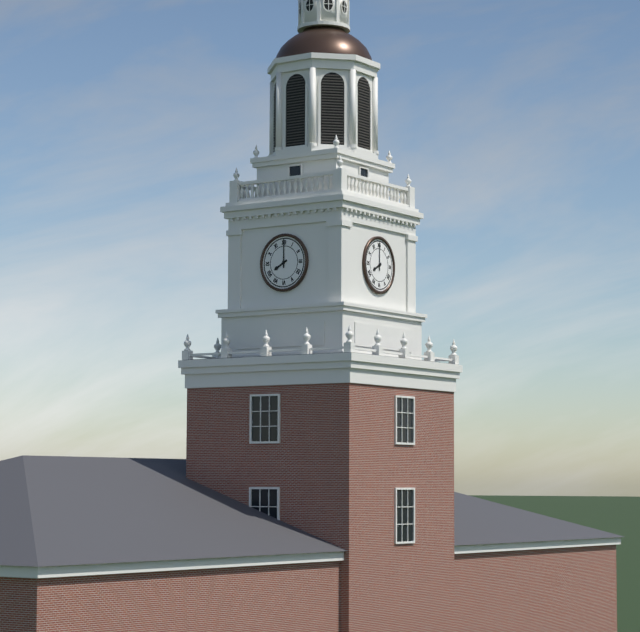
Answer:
8:00
